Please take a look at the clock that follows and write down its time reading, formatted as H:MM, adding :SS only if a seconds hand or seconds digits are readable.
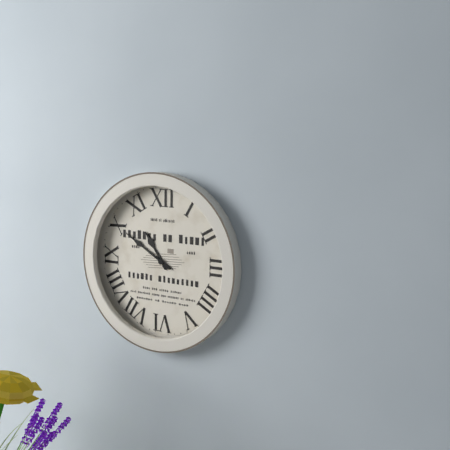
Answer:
10:50
